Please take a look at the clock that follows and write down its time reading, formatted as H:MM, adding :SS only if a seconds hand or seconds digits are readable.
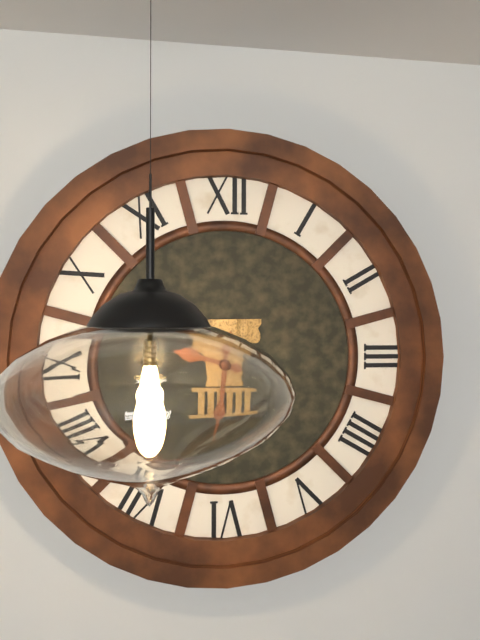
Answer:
9:31
